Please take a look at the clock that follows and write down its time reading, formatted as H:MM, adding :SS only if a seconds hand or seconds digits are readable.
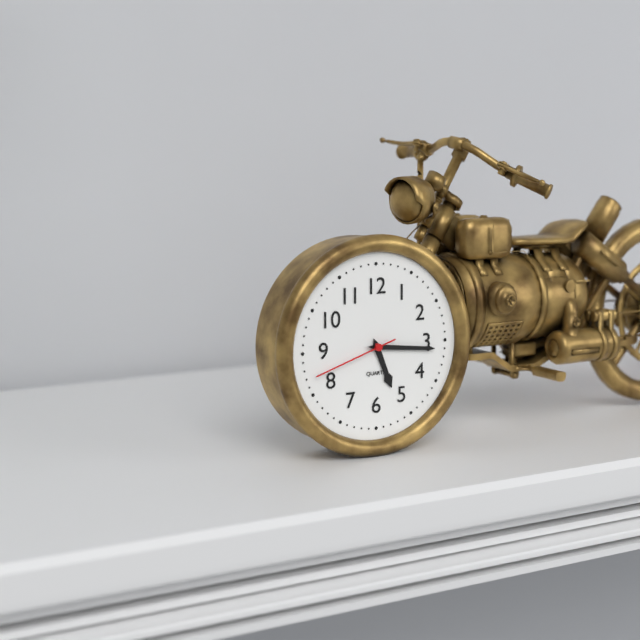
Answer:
5:16:42
